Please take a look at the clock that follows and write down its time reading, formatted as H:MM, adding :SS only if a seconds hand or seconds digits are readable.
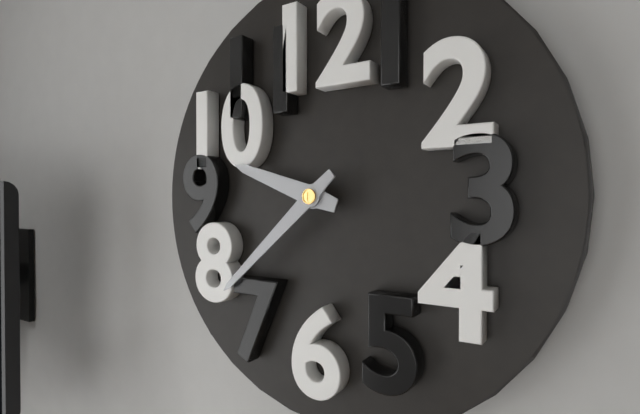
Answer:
9:38
